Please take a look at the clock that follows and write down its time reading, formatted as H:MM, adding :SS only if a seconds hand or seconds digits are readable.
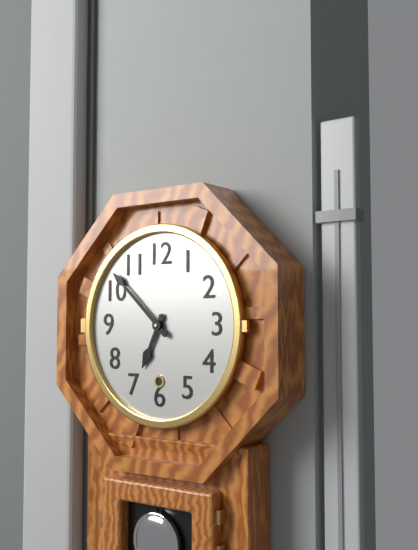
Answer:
6:52
